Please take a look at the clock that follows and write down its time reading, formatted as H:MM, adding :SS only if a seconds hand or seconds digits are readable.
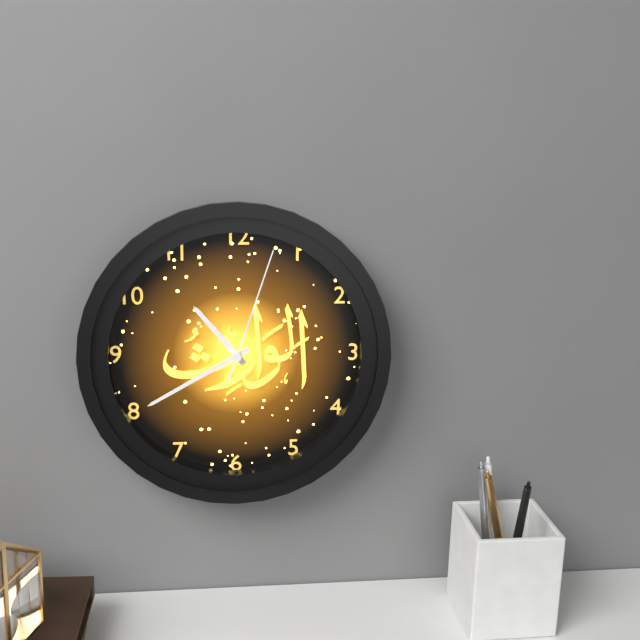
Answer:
10:40:03
